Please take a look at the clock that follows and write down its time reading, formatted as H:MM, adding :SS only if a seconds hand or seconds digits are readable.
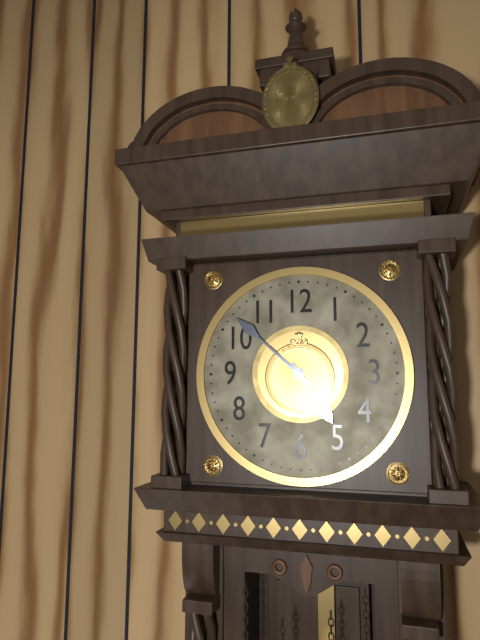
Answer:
4:52
